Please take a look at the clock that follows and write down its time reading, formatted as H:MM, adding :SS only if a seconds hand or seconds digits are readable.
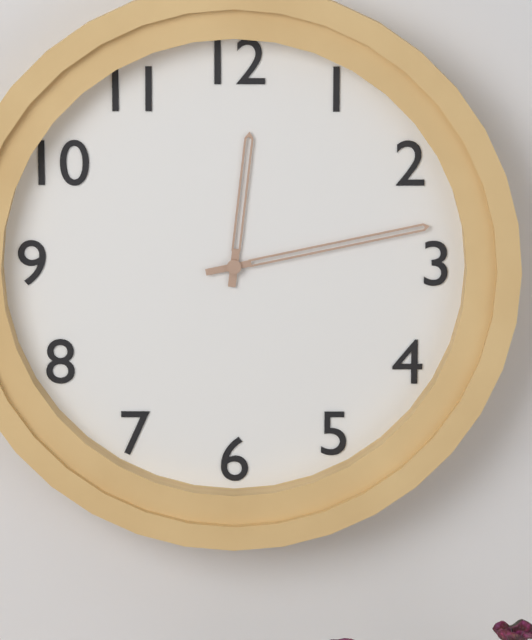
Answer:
12:13
